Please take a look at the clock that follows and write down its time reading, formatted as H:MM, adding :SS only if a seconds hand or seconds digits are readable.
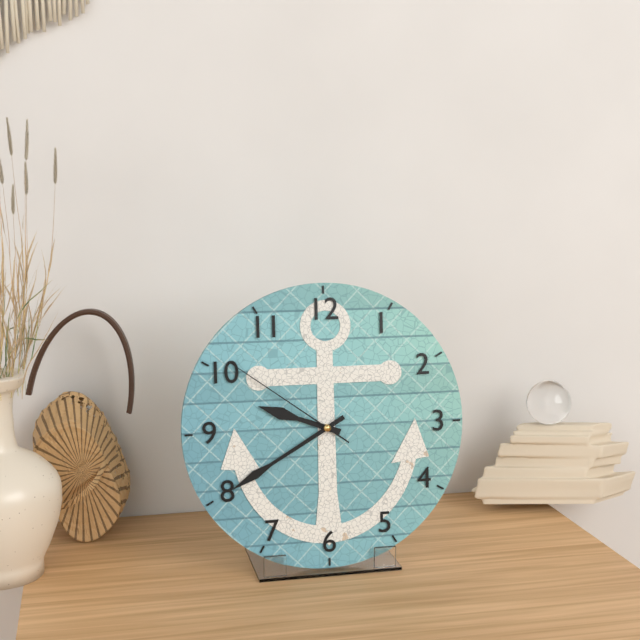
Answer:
9:40:51
